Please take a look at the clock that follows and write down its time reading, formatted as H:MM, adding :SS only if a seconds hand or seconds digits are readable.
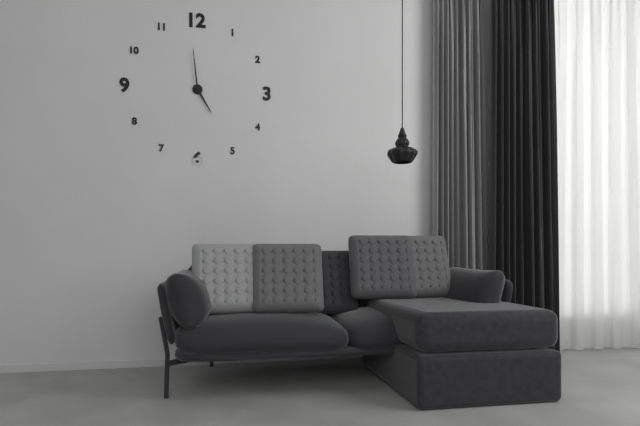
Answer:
4:59
